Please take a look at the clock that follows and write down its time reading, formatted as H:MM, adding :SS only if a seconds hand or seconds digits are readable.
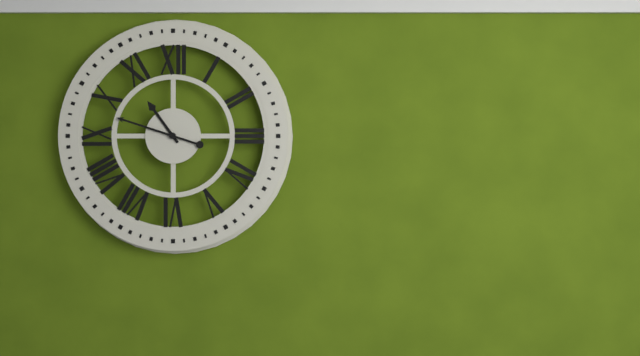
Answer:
10:48
